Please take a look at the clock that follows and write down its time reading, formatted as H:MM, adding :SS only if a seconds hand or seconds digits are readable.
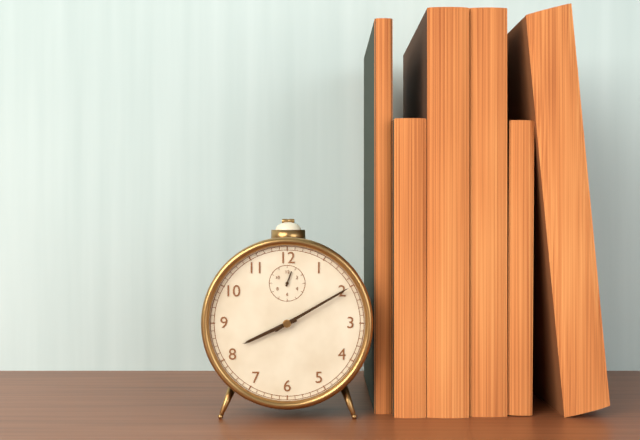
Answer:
8:10
